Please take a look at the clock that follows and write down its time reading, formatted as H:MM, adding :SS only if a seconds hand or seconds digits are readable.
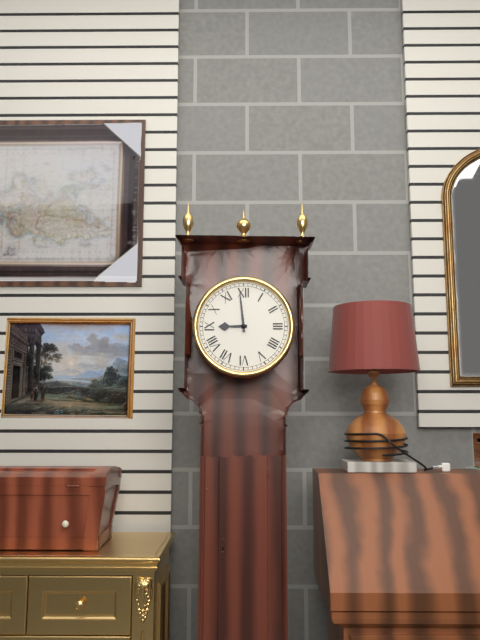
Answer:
8:59
